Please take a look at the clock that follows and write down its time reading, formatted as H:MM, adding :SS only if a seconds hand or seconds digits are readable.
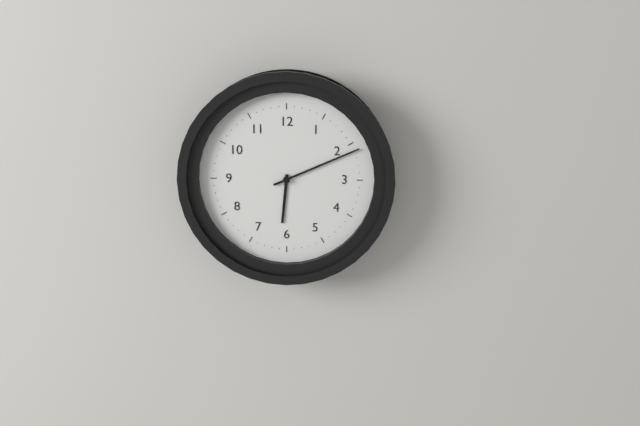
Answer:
6:11
